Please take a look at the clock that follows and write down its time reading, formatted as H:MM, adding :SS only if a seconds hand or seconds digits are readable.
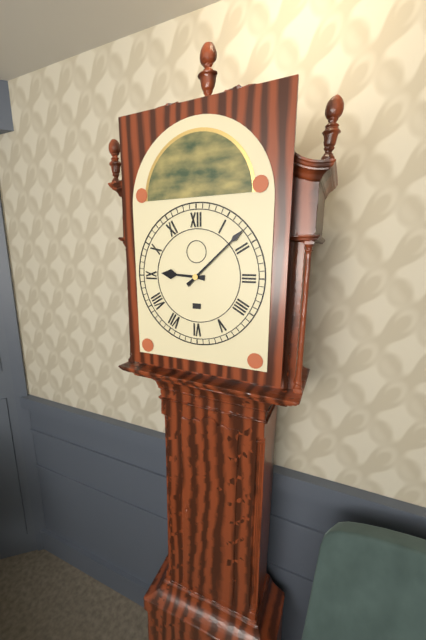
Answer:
9:08
